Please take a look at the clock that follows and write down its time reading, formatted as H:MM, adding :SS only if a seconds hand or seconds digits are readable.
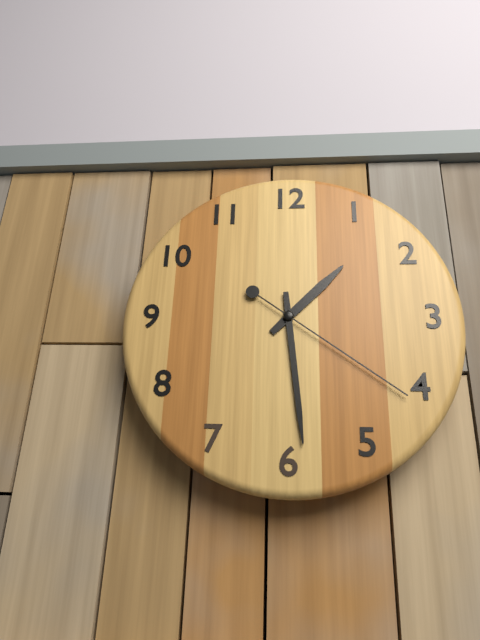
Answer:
1:29:21
